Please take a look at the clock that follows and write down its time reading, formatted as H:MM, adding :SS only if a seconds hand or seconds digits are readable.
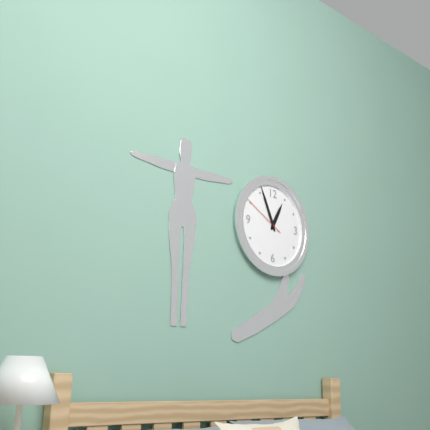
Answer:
12:56
